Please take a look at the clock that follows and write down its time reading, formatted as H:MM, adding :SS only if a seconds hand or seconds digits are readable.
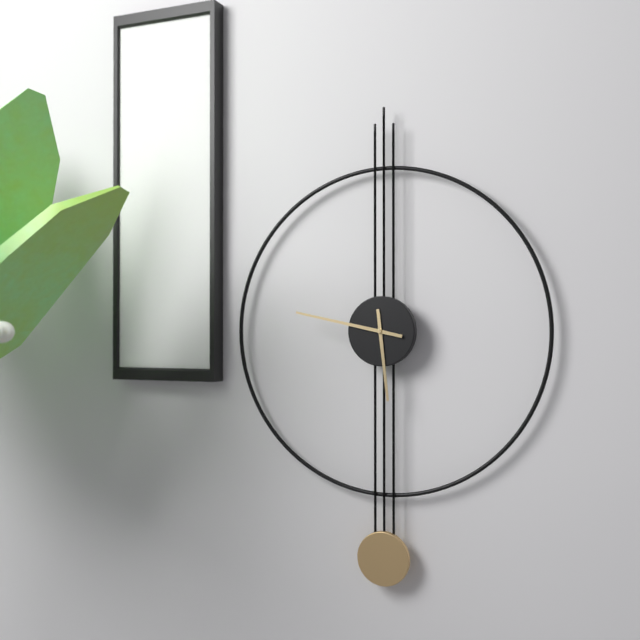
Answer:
5:47
